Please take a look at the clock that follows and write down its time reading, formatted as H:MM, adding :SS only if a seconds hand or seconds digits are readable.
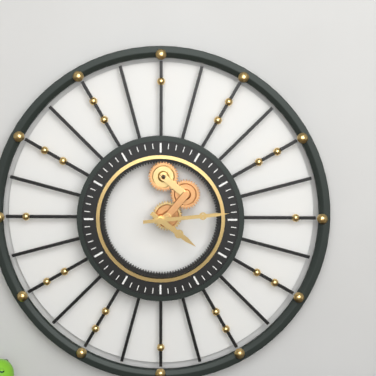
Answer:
4:14
